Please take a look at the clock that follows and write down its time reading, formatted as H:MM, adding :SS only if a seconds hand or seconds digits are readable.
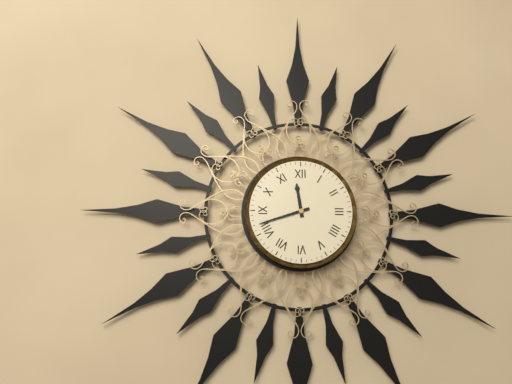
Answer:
11:42
